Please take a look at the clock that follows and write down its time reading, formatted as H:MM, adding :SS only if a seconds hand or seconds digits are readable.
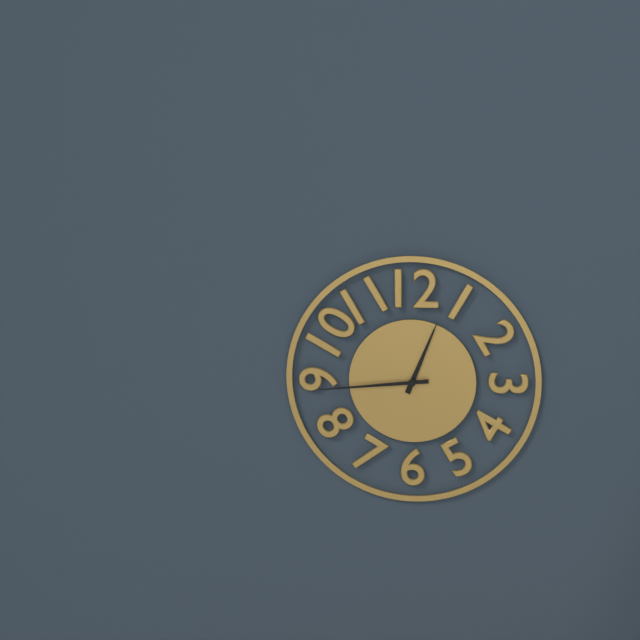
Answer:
12:44
